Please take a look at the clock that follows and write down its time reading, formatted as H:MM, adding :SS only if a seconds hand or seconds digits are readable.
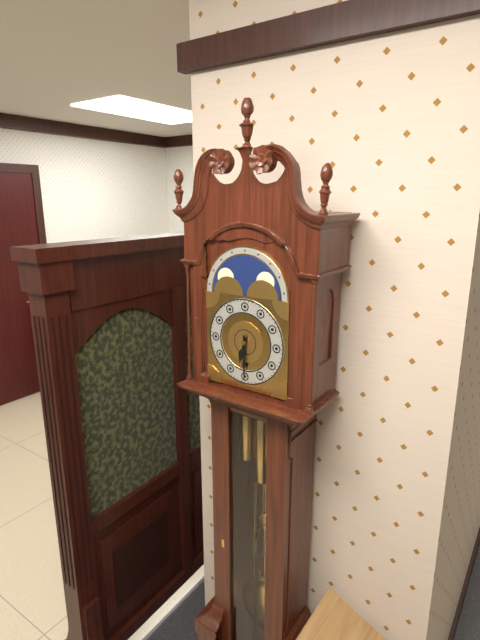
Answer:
6:30
